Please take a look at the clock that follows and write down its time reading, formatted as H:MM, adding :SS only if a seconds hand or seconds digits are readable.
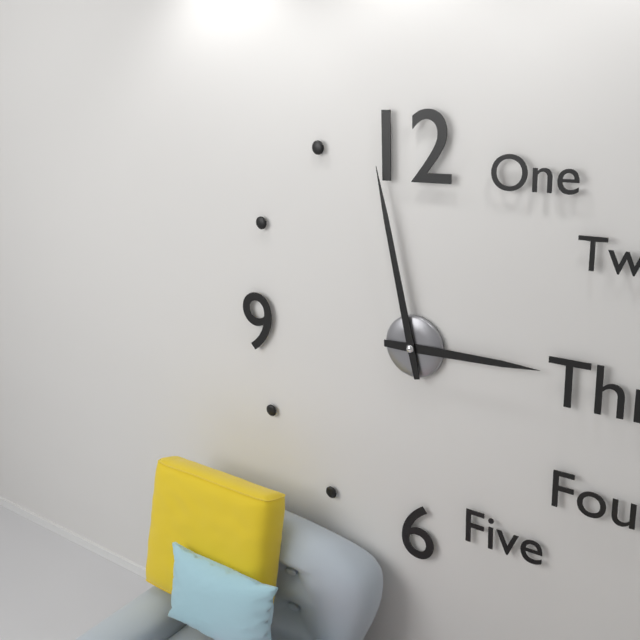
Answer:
2:58
